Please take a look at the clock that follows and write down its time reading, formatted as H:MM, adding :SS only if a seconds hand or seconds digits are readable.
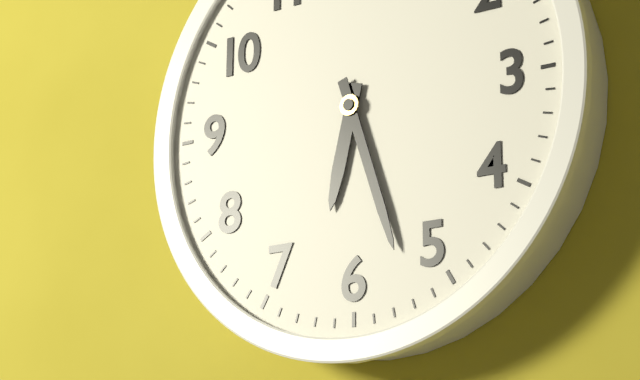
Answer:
6:27
